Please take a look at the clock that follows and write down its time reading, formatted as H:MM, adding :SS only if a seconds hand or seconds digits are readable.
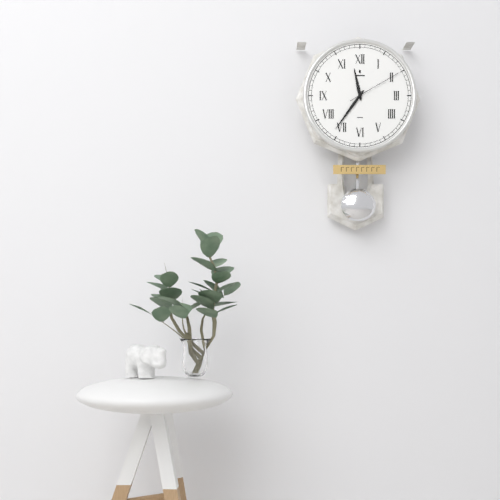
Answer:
11:36:10
